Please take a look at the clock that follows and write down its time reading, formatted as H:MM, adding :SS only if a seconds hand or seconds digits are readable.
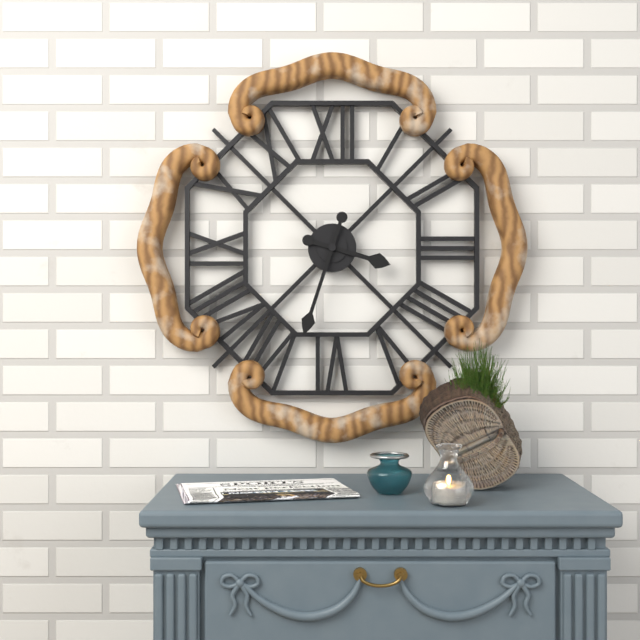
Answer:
3:33
